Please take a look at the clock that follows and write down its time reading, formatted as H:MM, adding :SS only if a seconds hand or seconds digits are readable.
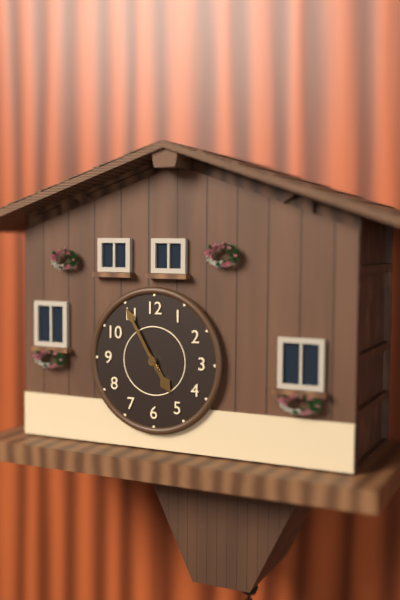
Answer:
4:55
